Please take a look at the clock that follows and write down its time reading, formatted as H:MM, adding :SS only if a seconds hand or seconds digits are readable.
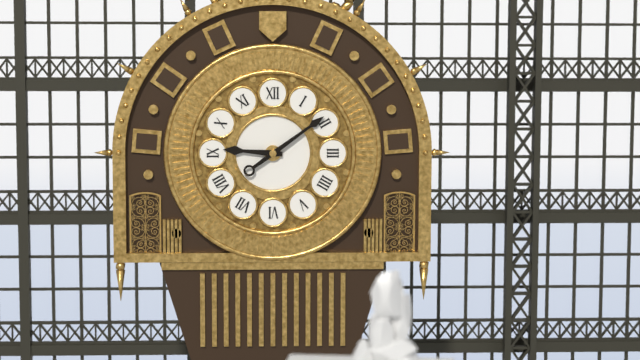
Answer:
9:09
